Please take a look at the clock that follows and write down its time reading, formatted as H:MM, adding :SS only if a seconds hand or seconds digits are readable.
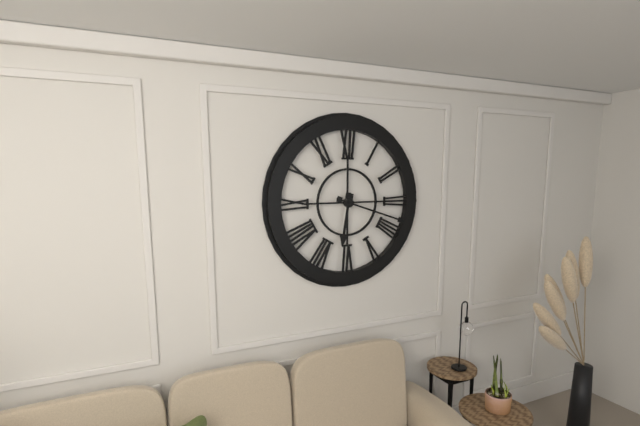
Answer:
6:18
